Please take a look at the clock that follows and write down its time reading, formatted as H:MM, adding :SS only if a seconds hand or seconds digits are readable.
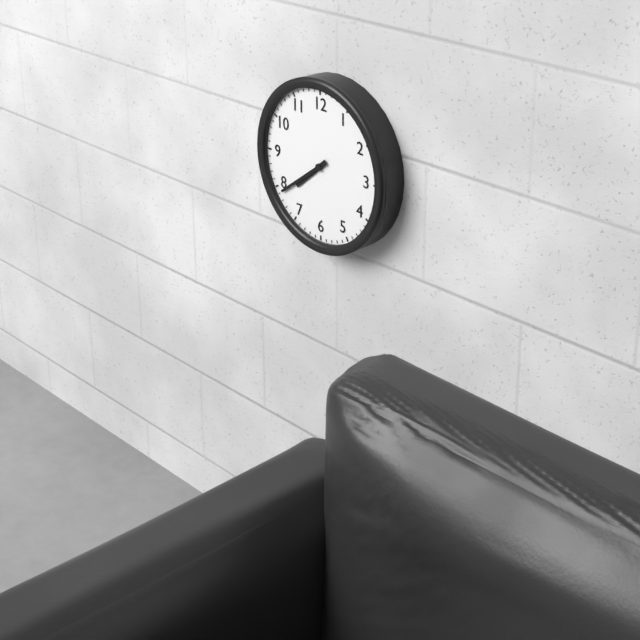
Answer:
7:39
